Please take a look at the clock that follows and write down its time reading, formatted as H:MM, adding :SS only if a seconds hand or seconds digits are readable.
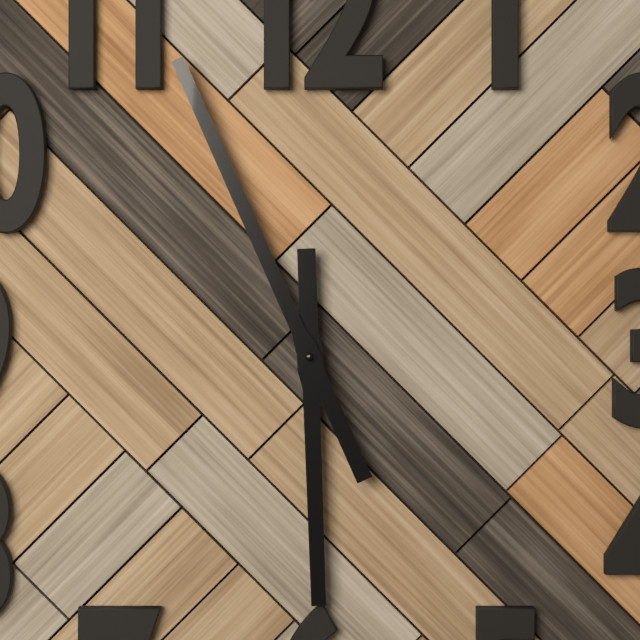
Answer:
5:56
